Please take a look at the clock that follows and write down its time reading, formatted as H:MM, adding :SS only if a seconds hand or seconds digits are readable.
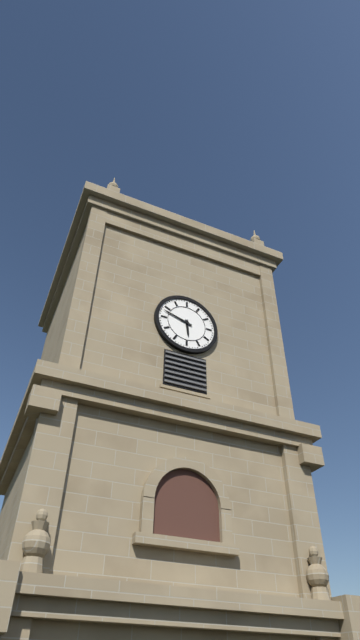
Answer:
5:48
